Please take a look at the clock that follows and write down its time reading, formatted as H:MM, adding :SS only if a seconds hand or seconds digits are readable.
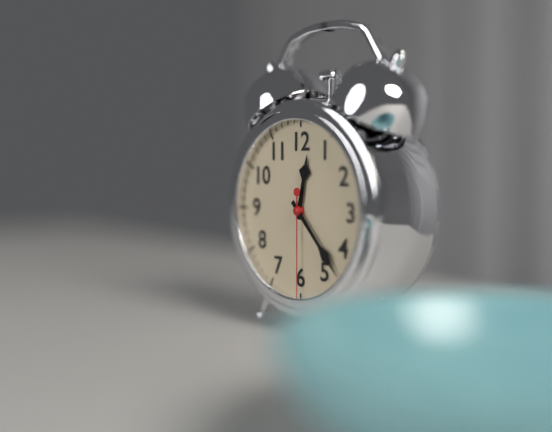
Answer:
12:23:30
